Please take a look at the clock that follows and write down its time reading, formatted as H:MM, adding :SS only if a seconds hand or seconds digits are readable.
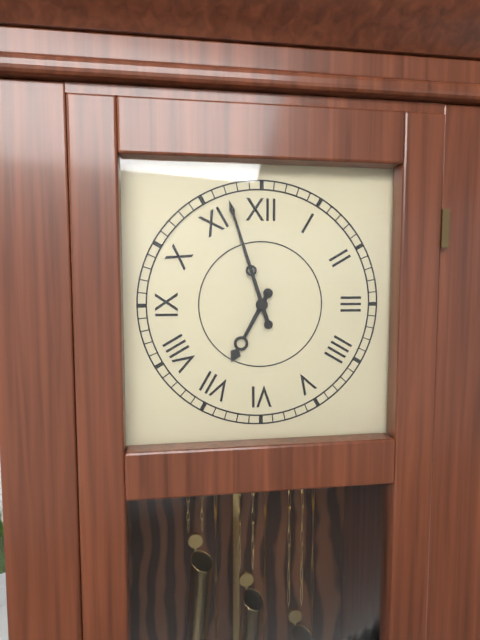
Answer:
6:57
